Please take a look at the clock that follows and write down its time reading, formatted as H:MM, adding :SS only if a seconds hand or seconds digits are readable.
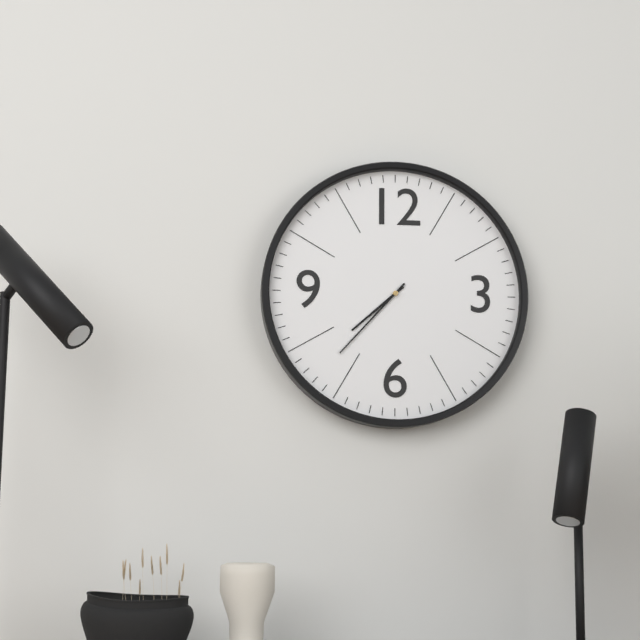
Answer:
7:37
